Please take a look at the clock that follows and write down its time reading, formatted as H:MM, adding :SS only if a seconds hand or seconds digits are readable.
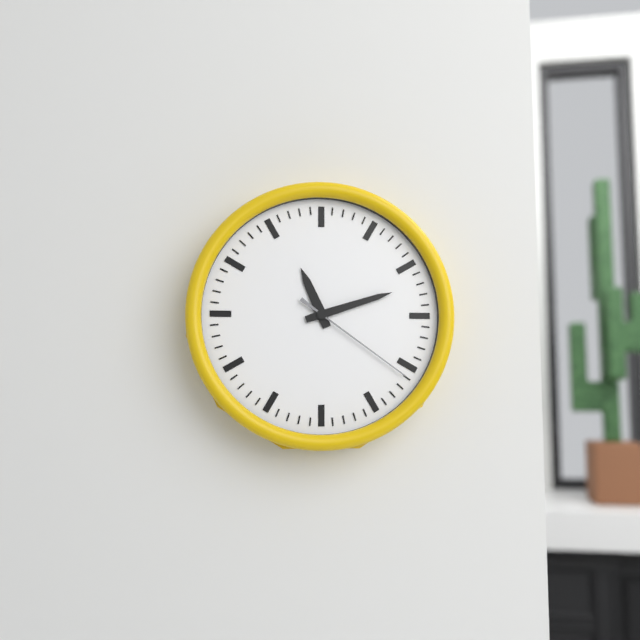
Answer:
11:12:21
